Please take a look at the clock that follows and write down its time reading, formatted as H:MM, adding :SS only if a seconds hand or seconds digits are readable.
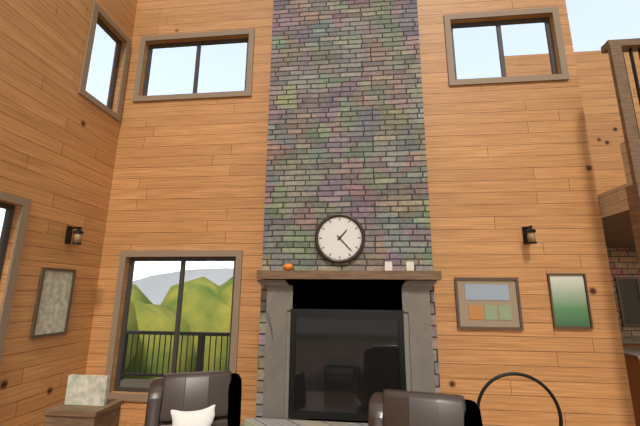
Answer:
1:23
